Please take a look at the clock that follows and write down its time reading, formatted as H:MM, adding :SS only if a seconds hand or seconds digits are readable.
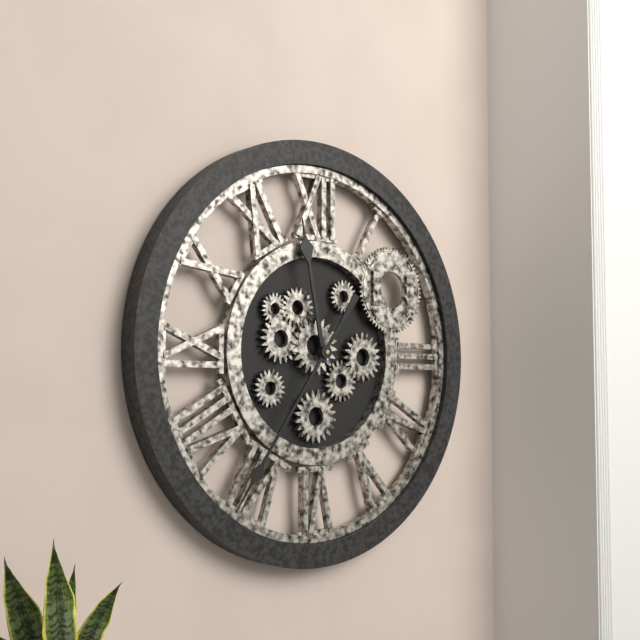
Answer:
11:36
